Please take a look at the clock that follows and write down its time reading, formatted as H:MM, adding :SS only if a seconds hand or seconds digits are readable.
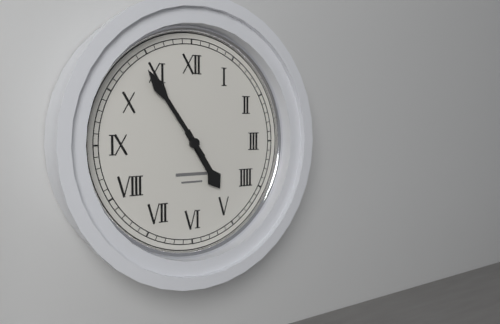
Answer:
4:54
